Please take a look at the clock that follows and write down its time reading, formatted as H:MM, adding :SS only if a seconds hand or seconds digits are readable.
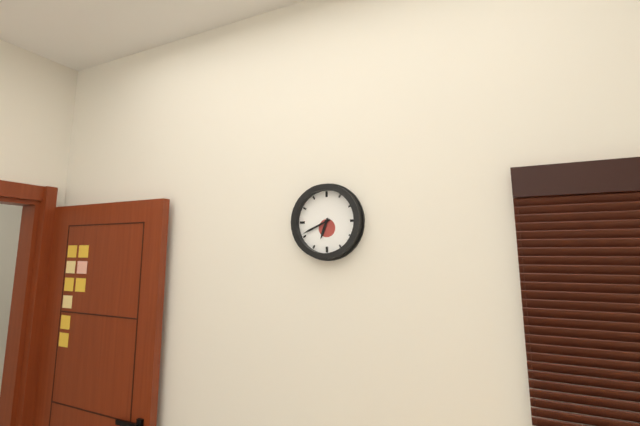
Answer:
6:41
